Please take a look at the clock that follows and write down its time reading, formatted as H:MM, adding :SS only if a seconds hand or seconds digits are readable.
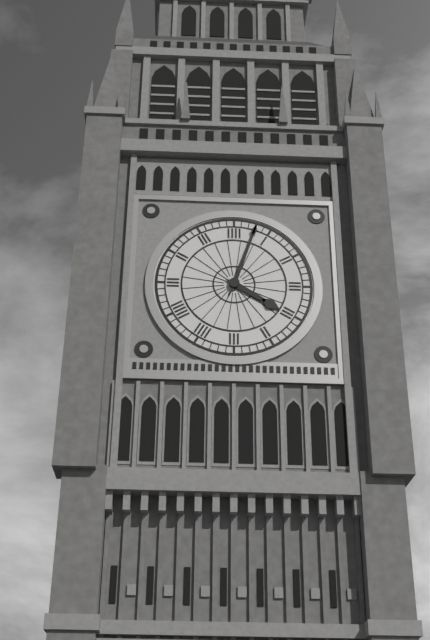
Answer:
4:03
